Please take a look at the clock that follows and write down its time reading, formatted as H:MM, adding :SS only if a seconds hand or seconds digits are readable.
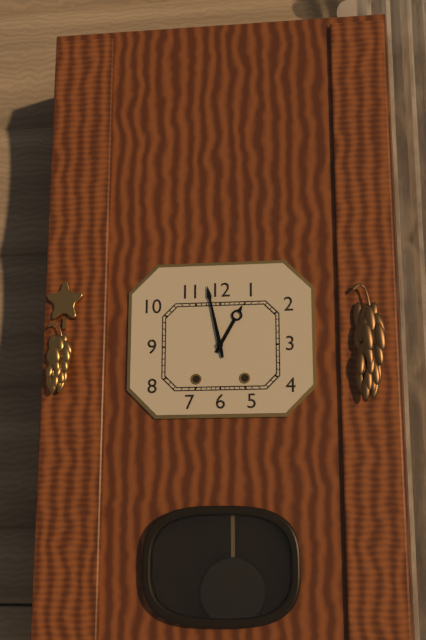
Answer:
12:58
